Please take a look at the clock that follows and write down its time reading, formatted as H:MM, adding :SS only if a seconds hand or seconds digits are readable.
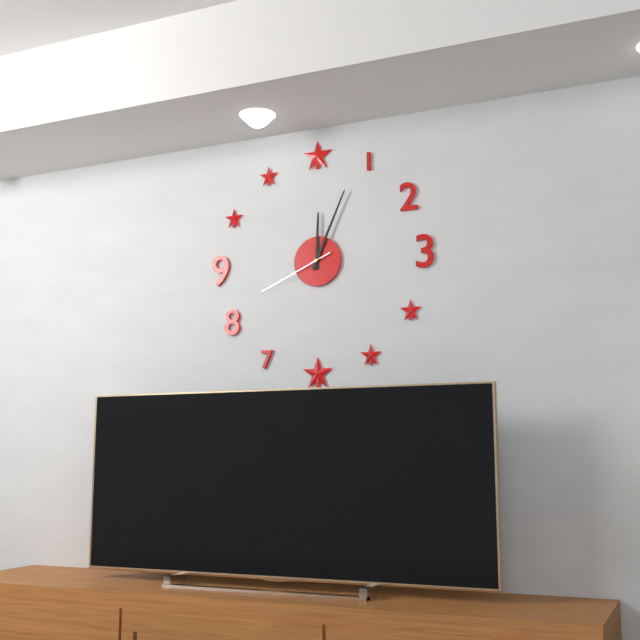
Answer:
12:04:41
